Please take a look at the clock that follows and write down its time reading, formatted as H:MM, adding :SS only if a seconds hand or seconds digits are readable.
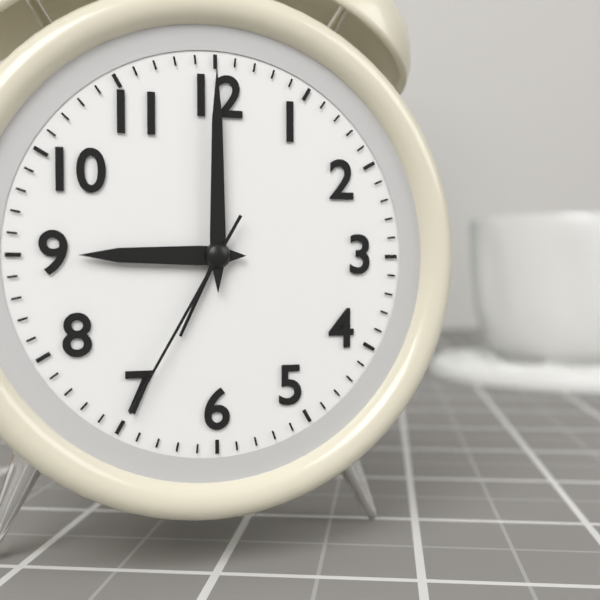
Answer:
9:00:35
